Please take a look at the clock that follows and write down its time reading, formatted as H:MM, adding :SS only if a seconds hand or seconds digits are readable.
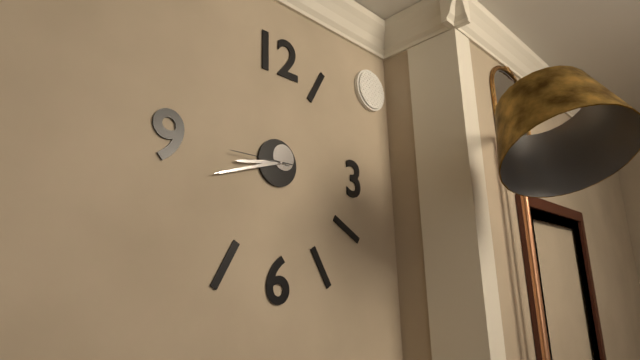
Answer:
8:42:45
